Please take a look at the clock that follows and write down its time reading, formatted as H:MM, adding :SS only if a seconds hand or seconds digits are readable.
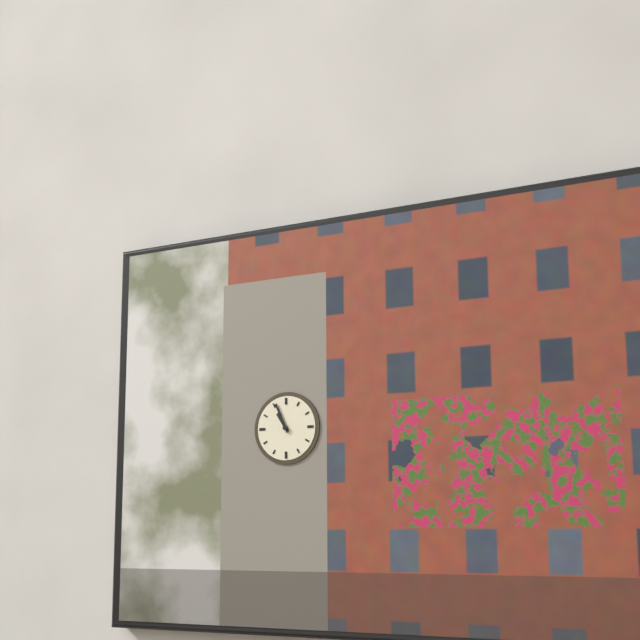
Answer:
10:56
